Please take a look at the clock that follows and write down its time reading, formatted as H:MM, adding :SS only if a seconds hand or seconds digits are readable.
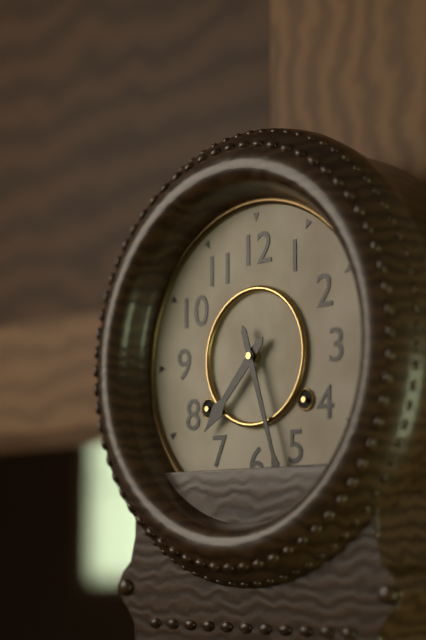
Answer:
7:27
